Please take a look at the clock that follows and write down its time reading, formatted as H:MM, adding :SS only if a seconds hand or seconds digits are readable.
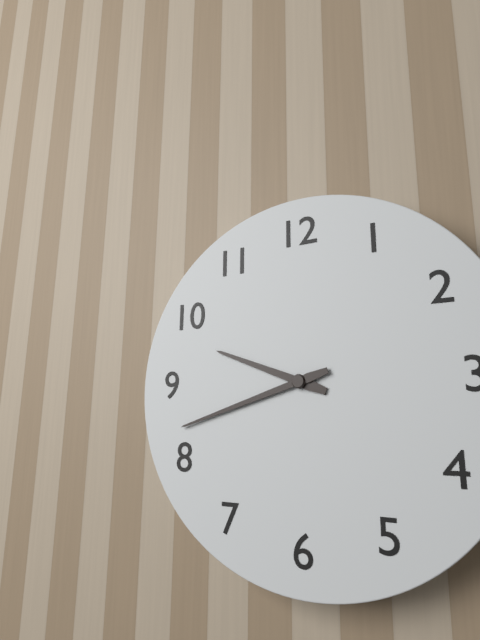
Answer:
9:42
